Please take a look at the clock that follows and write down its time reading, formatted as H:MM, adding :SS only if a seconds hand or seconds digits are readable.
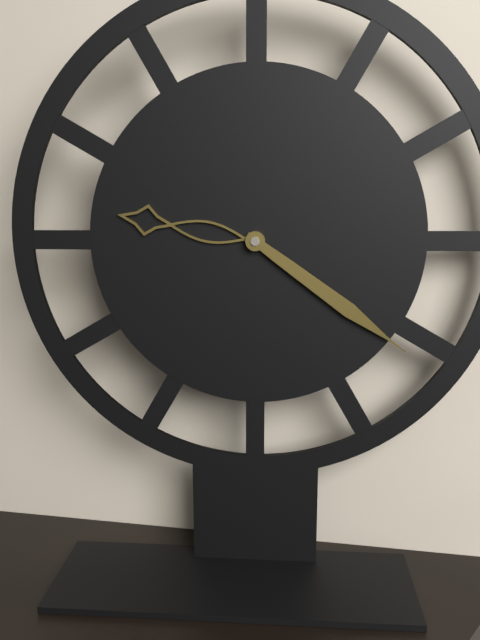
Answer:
9:21
